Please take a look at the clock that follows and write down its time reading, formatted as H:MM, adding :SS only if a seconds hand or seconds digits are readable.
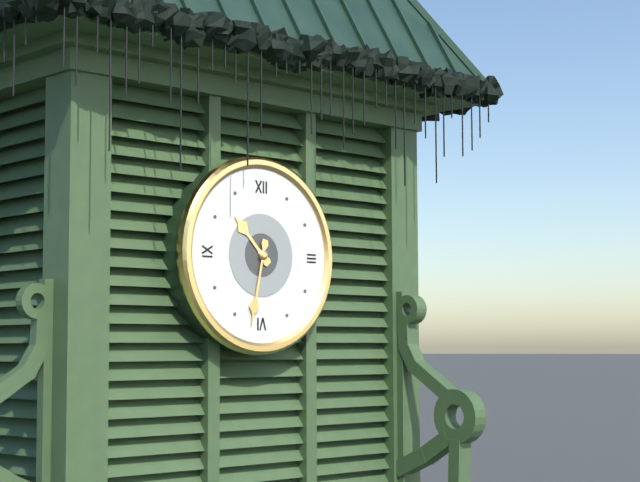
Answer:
10:32
